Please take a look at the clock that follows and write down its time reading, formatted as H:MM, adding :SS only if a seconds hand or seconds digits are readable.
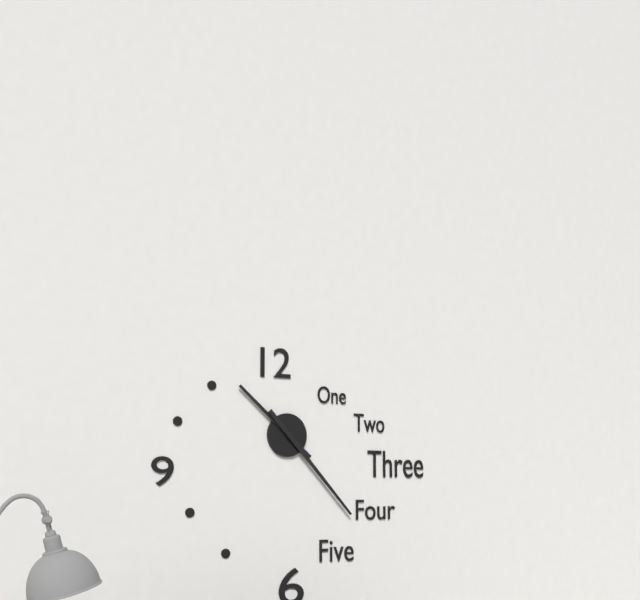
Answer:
10:23
